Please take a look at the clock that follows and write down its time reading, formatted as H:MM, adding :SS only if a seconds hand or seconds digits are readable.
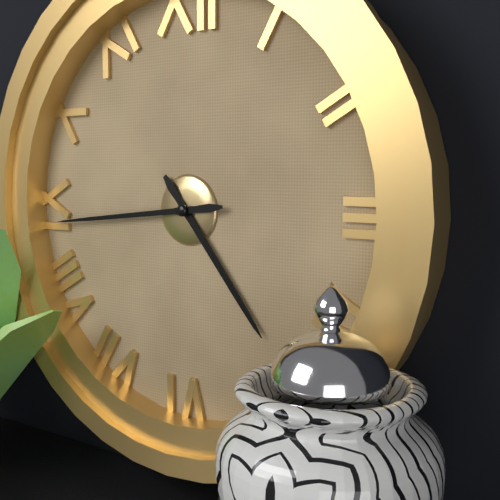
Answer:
4:44
